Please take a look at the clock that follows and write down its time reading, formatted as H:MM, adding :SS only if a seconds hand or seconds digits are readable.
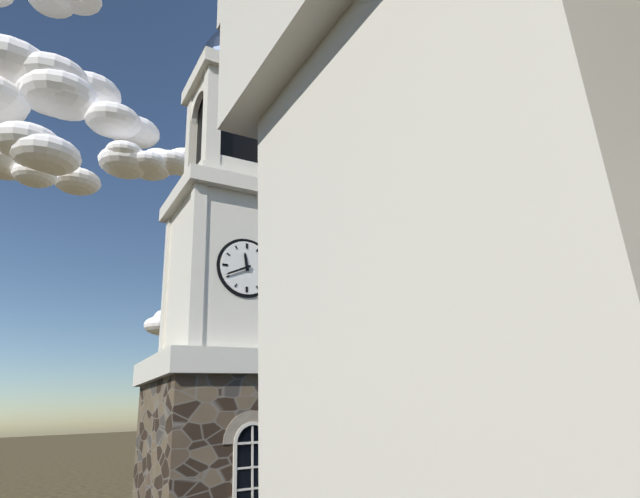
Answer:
11:41
